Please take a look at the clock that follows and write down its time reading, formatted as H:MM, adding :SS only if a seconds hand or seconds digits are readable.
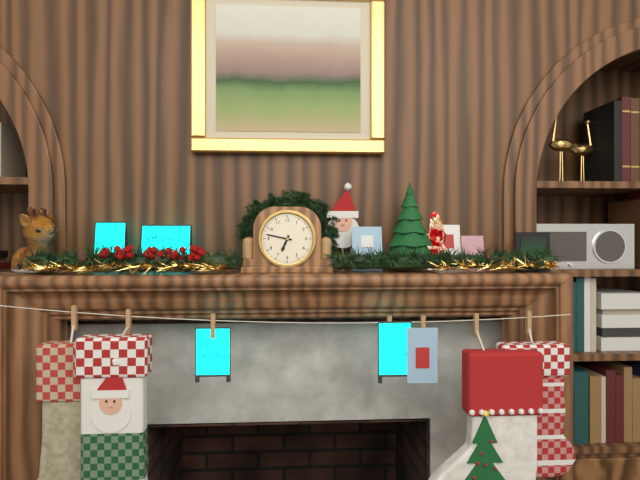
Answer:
6:47
